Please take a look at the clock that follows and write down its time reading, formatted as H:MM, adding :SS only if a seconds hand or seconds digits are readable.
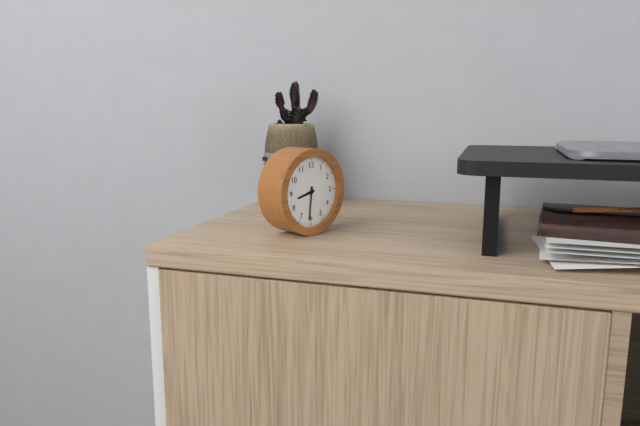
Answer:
8:31
